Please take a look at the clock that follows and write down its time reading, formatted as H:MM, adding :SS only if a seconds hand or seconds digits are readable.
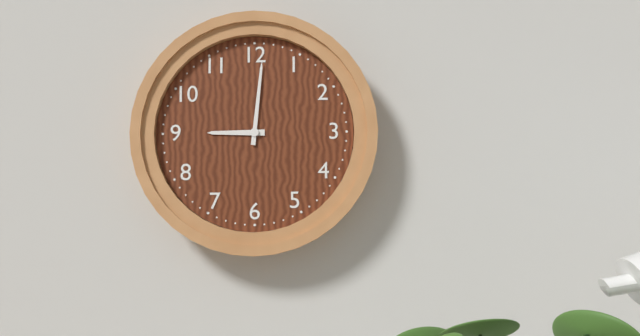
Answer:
9:01
